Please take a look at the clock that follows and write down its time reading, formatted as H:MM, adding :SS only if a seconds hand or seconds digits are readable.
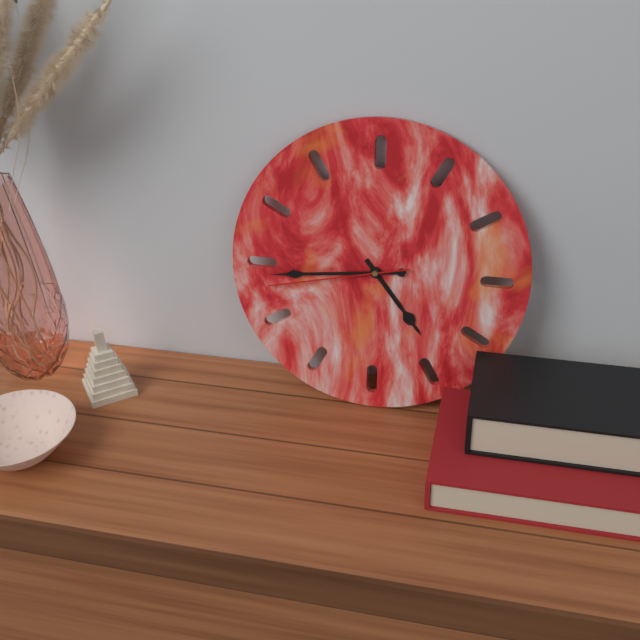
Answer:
4:44:43
